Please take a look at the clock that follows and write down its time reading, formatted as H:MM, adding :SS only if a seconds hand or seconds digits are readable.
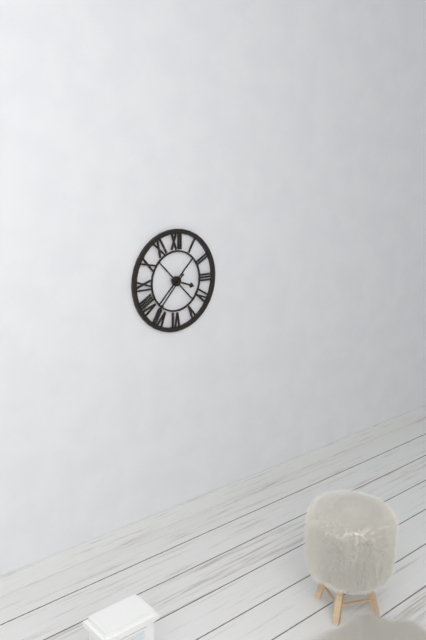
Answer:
3:37
